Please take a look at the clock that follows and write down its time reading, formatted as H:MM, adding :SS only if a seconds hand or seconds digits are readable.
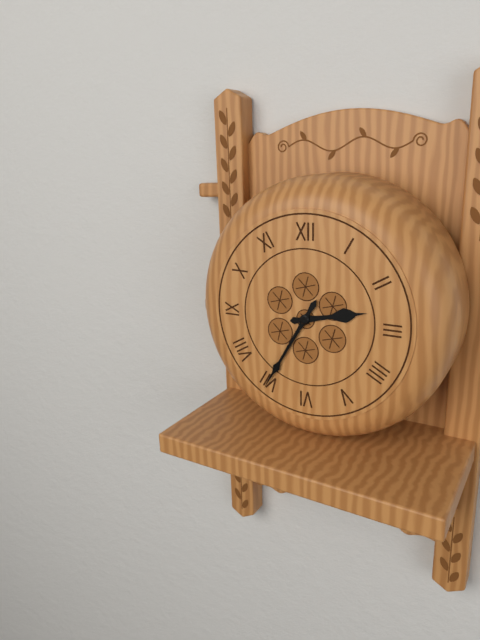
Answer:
2:35
